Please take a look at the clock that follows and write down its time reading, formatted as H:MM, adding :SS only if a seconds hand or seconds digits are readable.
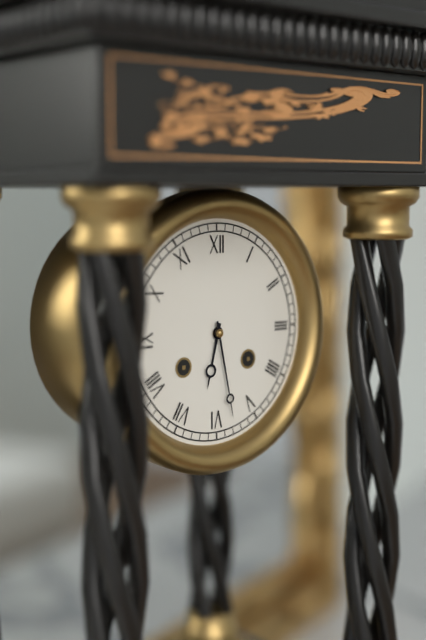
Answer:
6:28
